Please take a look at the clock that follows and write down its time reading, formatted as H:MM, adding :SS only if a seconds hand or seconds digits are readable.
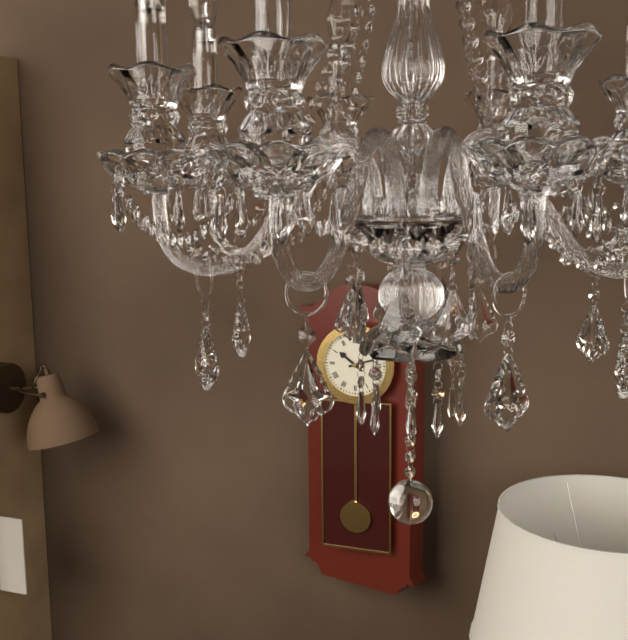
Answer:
10:12
